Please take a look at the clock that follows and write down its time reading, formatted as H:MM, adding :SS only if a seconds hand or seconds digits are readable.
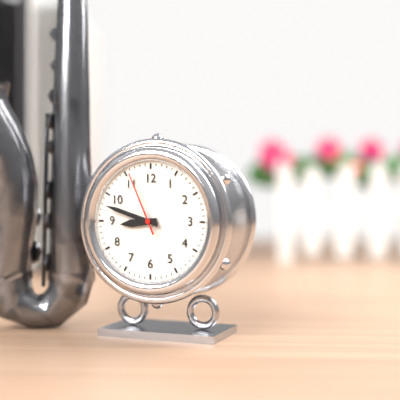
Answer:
8:48:56
